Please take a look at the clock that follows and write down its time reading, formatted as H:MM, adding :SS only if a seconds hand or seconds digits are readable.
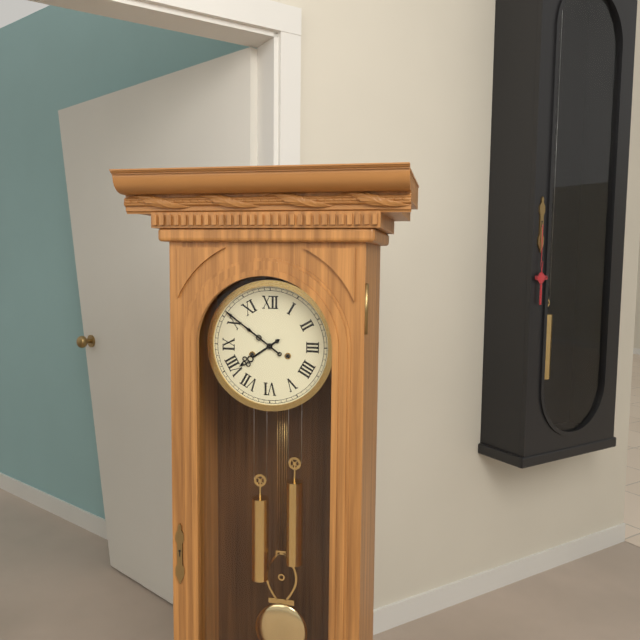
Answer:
7:51
